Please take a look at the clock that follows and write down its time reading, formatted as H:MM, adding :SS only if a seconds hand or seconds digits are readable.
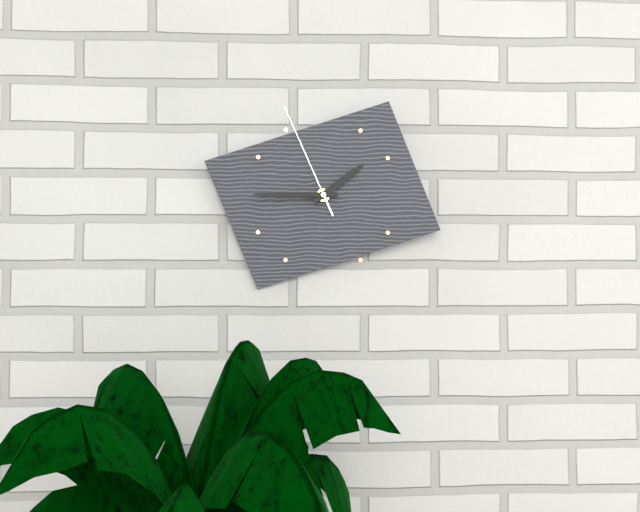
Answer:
1:45:56
